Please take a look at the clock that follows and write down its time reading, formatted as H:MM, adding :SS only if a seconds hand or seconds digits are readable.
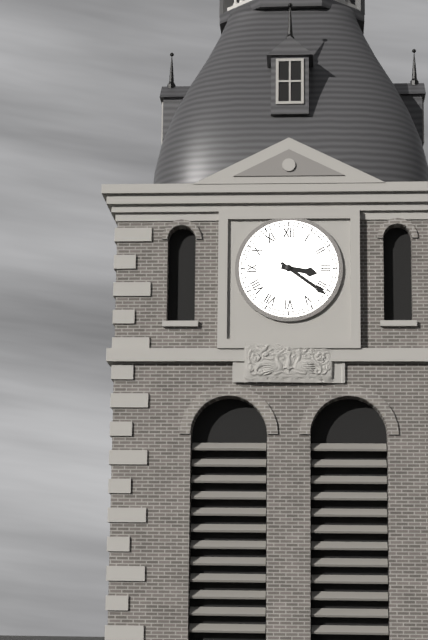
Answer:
3:21
